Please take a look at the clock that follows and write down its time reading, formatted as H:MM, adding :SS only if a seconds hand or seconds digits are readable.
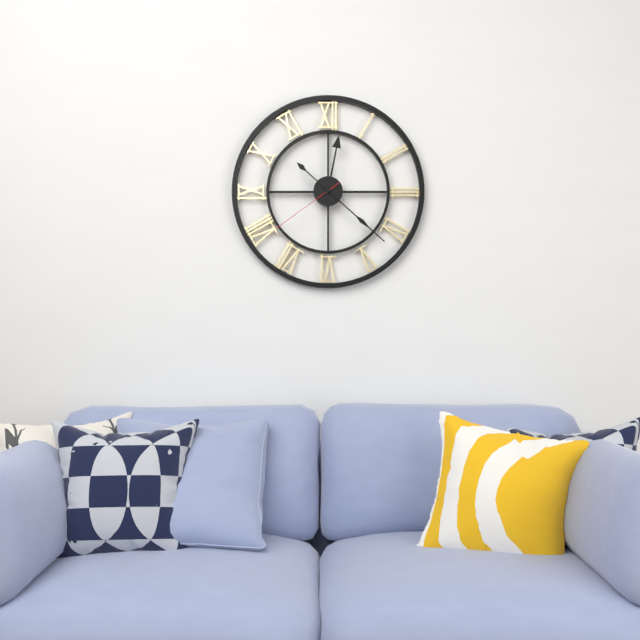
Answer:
12:22:39
